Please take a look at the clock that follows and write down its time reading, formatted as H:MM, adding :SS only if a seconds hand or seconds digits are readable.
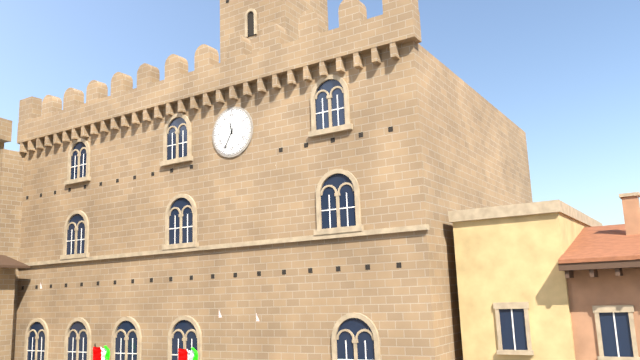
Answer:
11:35
